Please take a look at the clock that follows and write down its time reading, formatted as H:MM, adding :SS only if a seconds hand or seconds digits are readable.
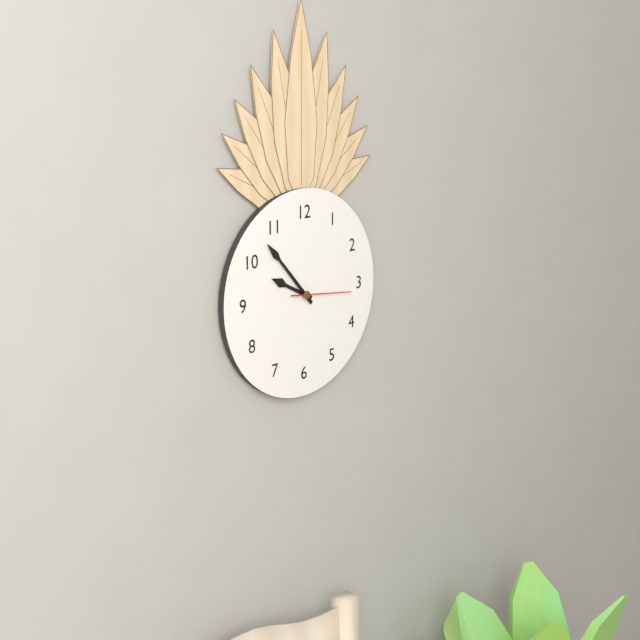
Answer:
9:53:16
